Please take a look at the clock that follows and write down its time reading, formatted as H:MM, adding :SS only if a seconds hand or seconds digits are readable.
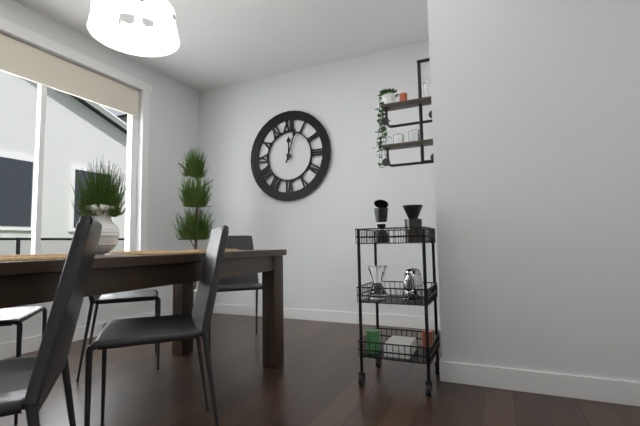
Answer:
12:03
